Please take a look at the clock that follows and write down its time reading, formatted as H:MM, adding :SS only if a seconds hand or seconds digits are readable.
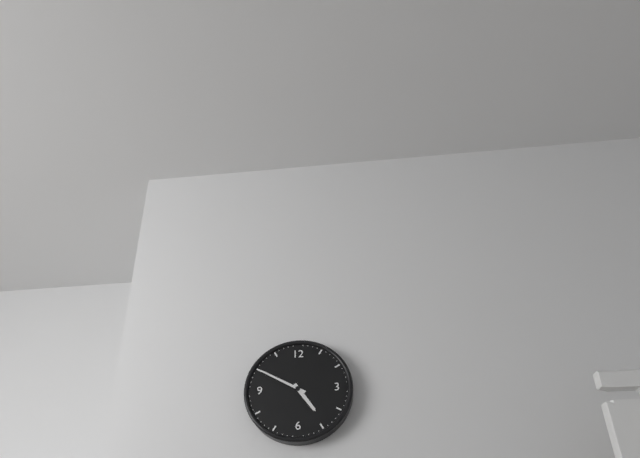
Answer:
4:50
